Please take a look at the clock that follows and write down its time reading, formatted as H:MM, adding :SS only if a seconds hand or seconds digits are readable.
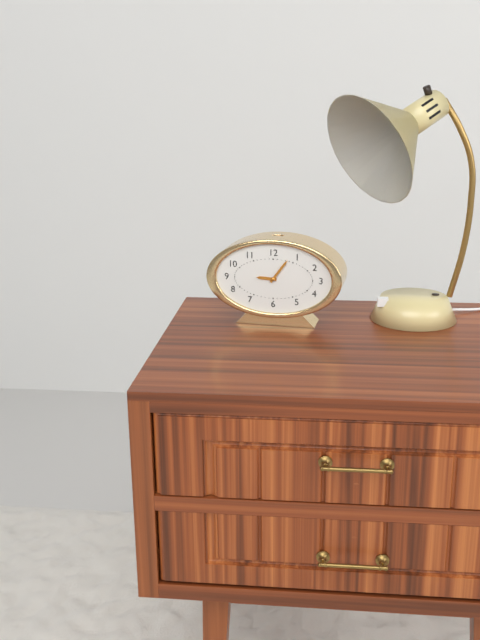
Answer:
9:06
